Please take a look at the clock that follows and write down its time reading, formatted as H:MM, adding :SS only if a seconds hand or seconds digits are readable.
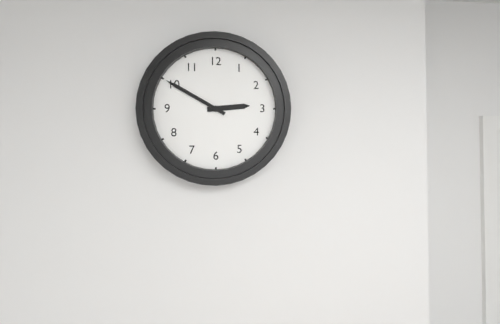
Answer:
2:50
